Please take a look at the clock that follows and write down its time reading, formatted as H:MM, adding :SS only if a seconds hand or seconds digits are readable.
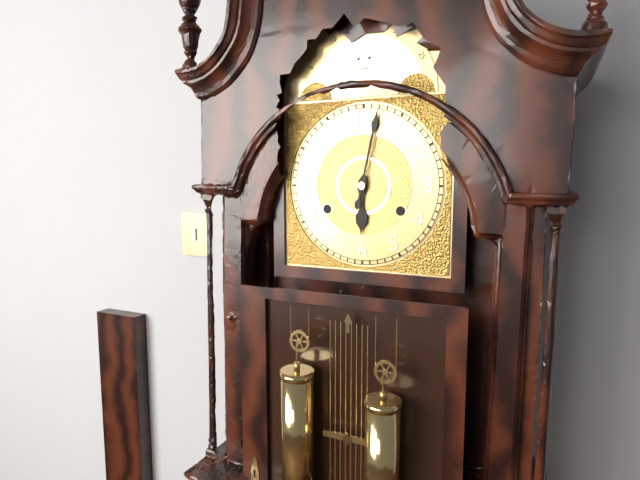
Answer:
6:02
